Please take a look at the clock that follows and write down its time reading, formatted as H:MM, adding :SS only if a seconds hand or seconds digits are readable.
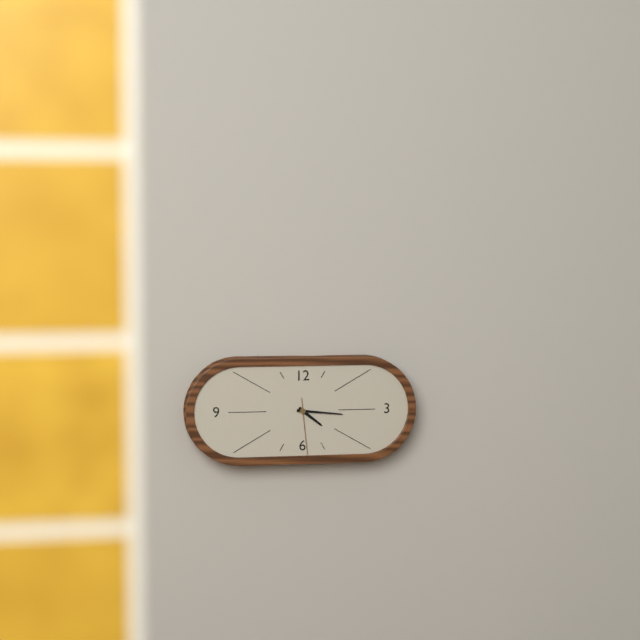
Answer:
4:16:29
